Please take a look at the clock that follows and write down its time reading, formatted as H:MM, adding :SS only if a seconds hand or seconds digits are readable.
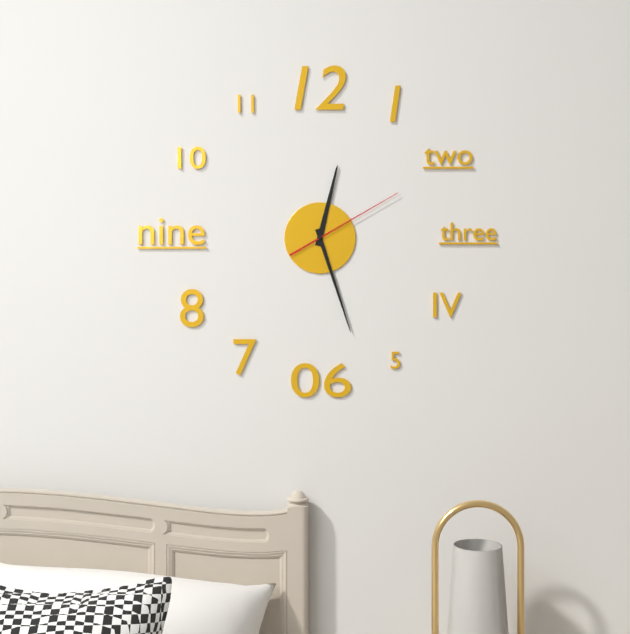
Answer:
12:27:10
